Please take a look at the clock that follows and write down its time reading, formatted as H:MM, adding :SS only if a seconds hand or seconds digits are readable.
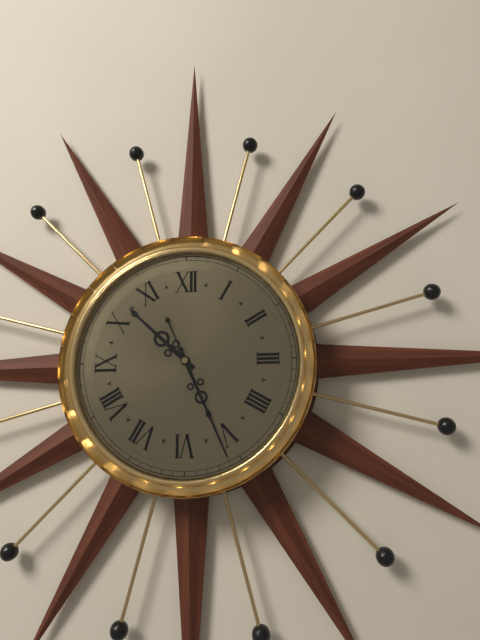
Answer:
10:26:26
